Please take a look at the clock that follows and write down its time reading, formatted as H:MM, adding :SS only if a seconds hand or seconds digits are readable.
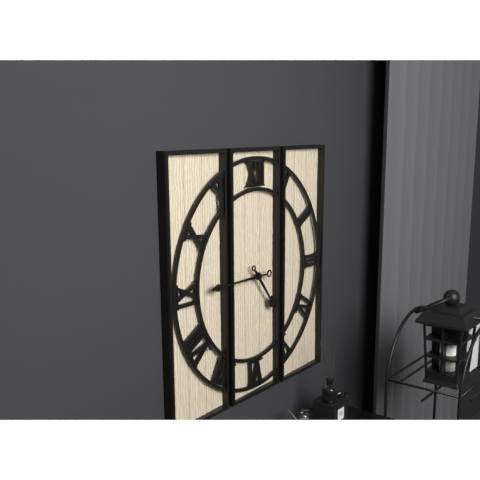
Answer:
4:45
